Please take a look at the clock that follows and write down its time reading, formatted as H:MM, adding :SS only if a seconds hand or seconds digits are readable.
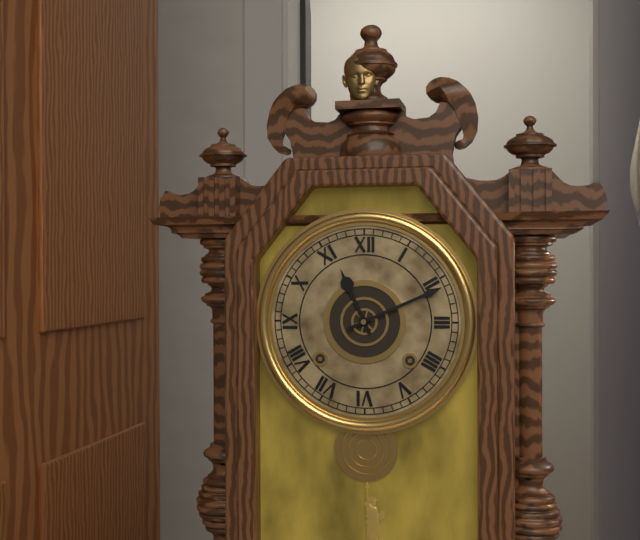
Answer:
11:11
